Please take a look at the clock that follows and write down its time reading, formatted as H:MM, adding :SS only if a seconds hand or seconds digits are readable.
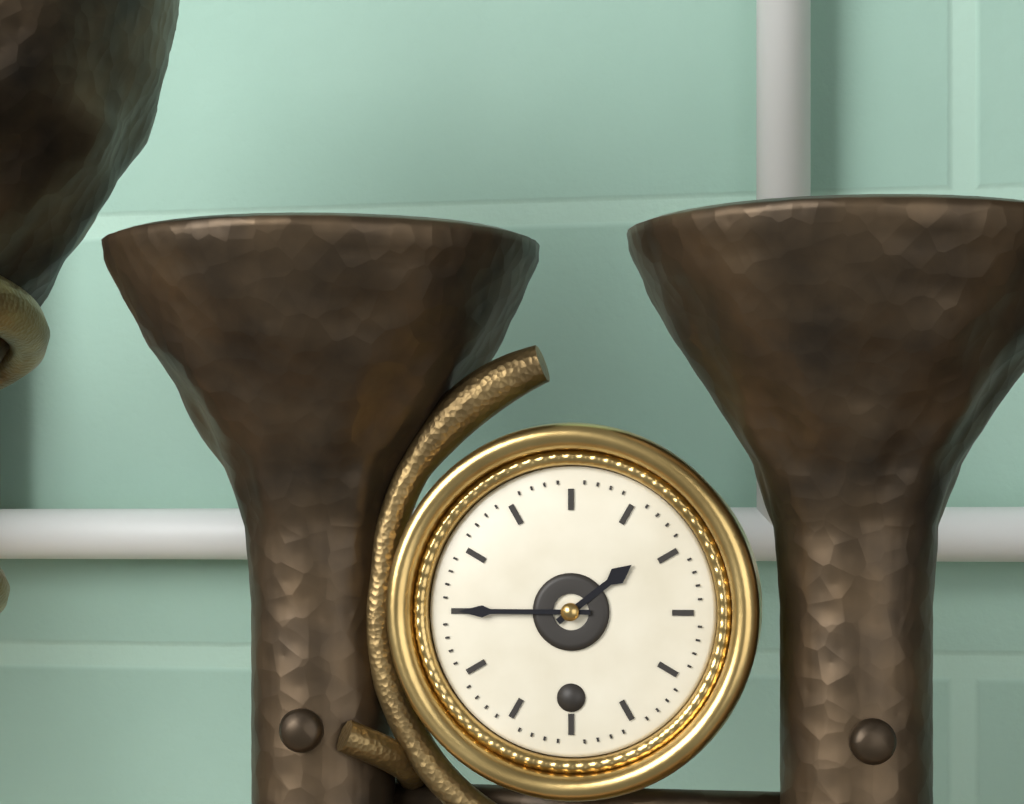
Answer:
1:45
